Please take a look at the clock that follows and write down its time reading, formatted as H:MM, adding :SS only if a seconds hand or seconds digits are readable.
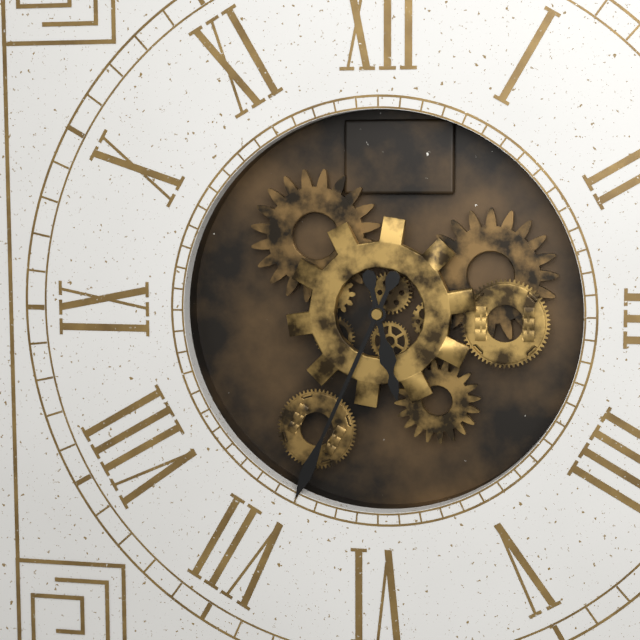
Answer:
5:34
